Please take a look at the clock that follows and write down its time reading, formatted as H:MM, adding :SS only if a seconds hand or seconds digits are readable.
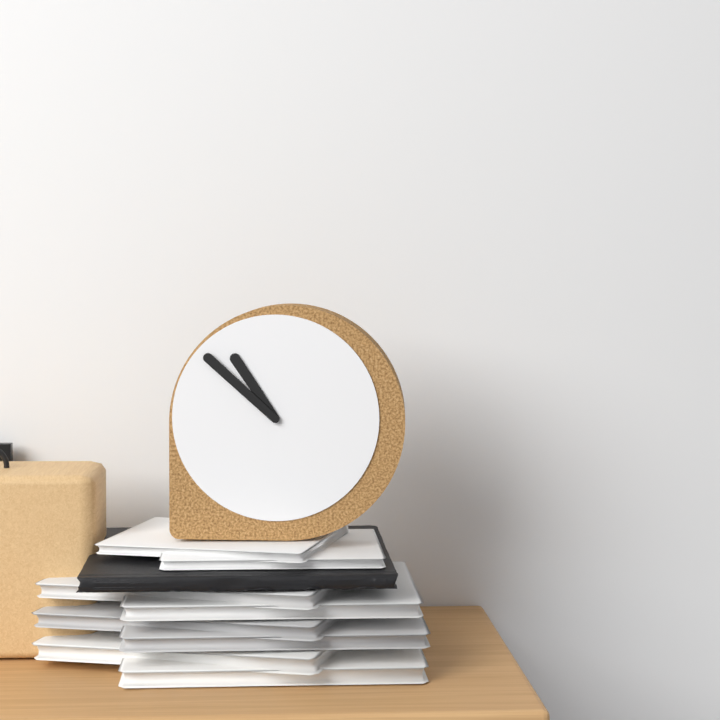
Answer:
10:52
